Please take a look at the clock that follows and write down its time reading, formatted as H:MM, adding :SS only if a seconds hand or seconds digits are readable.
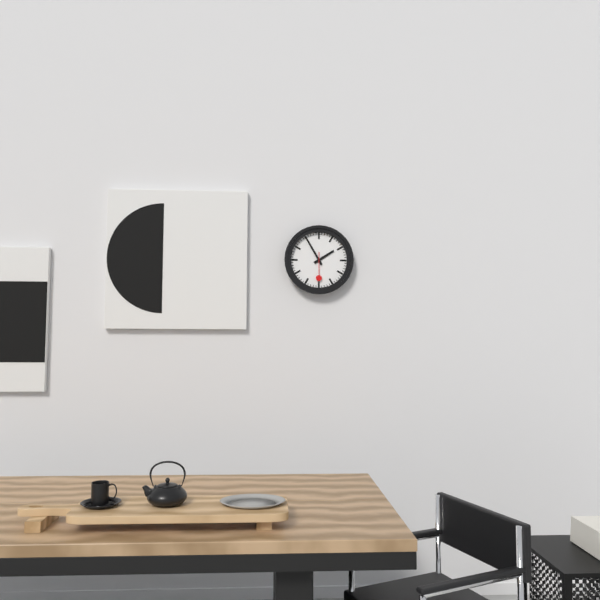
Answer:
1:55
